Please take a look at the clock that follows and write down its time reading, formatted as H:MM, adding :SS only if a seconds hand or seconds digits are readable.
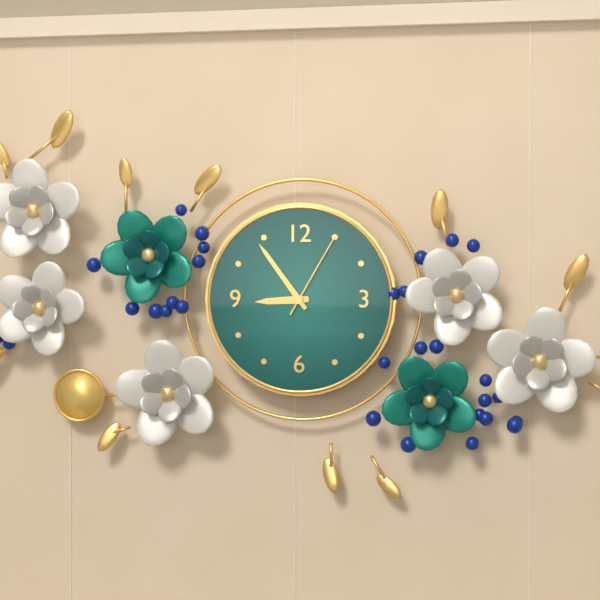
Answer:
8:54:05
